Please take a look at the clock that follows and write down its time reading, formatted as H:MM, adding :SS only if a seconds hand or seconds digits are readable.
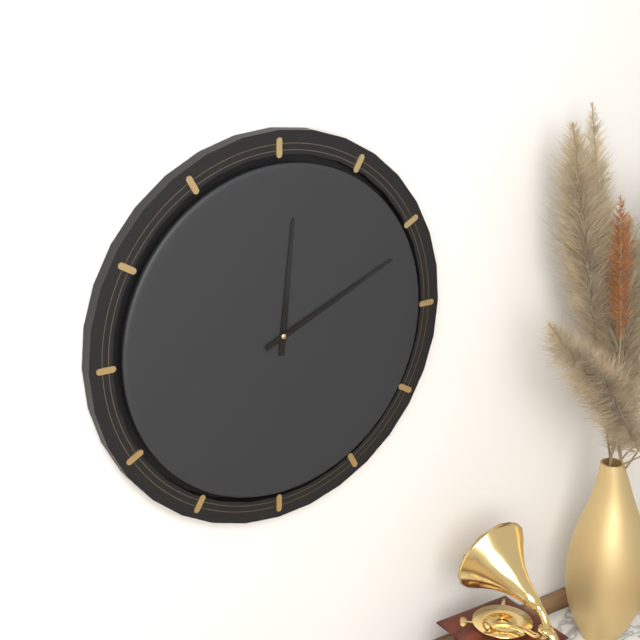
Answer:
12:11
